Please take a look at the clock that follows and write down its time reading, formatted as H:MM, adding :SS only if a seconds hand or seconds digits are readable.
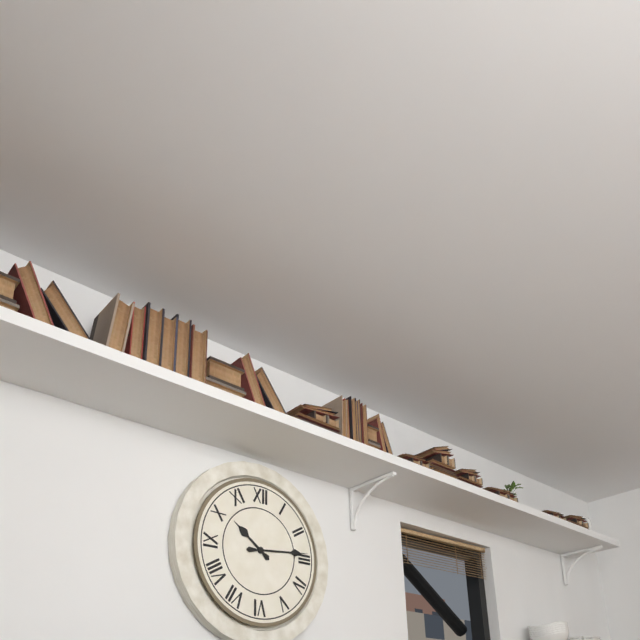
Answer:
10:14
